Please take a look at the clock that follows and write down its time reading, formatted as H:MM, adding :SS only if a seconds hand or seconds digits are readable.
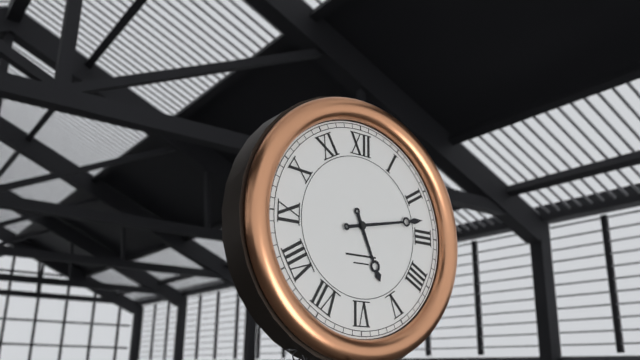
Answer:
5:13
